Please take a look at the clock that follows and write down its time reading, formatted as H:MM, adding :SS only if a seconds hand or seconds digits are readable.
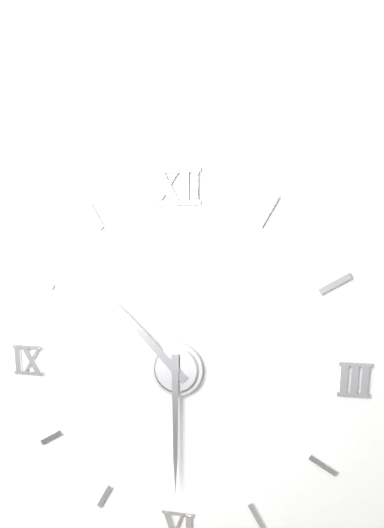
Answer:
10:30
